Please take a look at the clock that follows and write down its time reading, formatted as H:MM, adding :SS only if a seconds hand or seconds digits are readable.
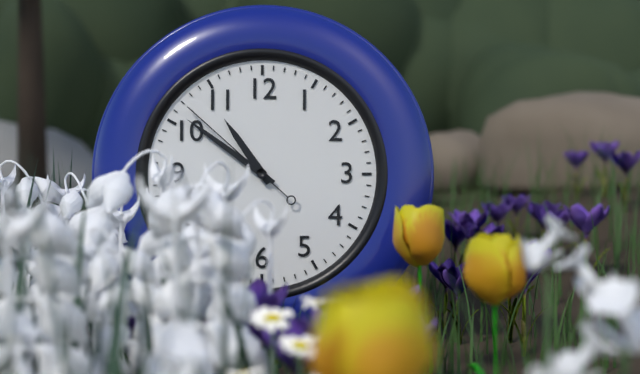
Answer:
10:51:52
